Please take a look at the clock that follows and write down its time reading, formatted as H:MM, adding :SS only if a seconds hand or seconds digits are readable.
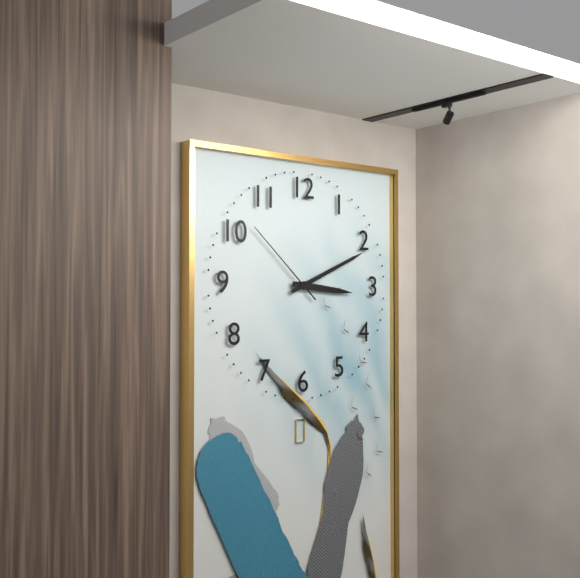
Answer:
3:11:52
